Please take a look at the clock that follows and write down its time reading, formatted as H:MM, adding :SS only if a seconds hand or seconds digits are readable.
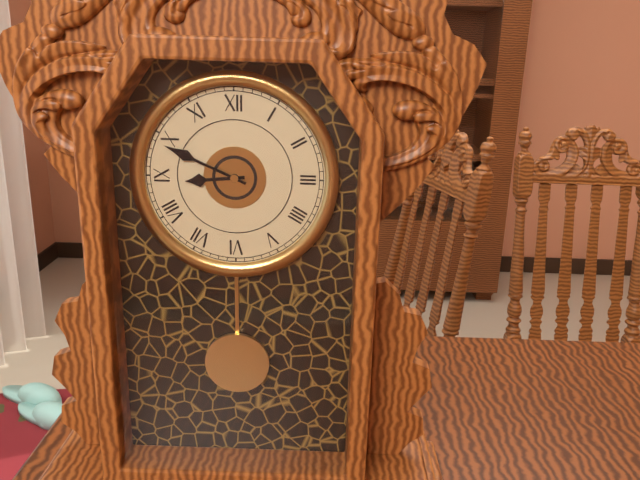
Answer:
8:49
